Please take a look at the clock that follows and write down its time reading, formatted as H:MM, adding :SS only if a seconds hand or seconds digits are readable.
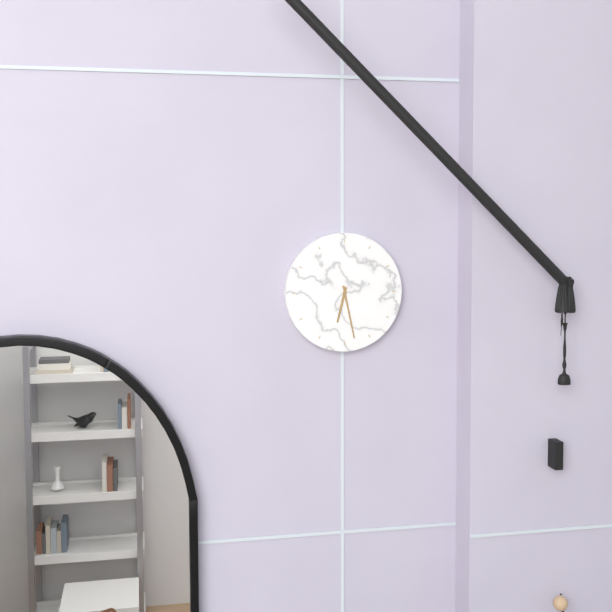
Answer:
6:28
